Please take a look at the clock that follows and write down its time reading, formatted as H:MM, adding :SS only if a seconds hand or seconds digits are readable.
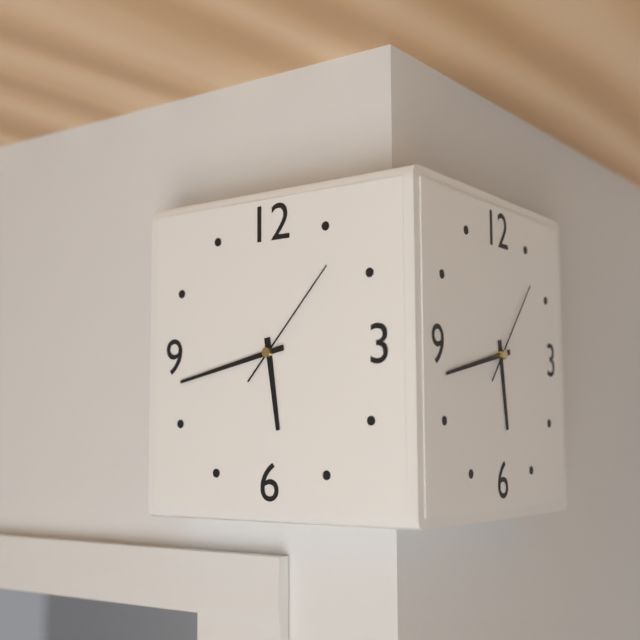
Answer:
5:43:07
